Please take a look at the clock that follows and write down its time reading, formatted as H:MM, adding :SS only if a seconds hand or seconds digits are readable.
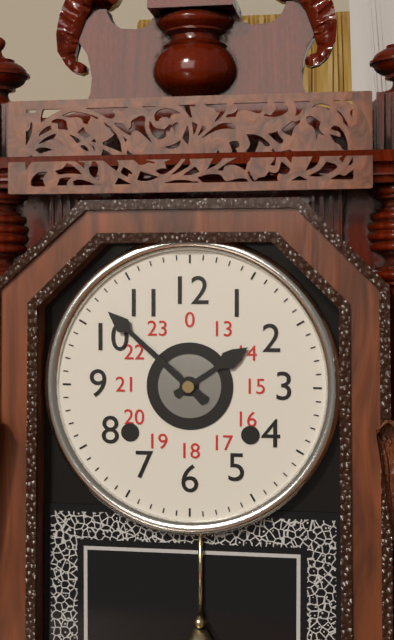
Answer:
1:52
